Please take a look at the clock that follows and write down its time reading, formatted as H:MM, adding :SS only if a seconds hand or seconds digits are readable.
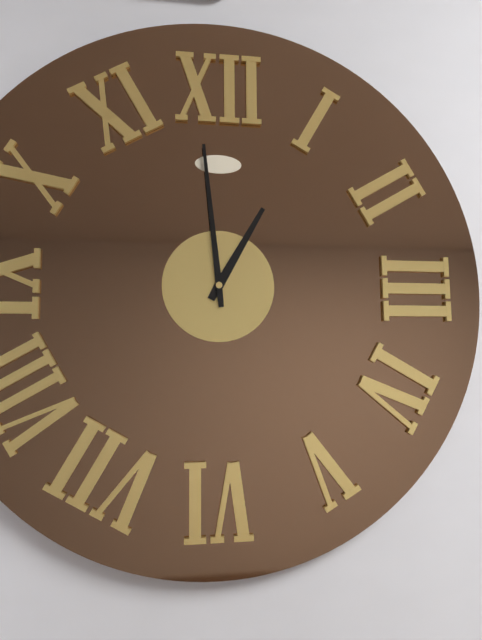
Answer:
12:59
